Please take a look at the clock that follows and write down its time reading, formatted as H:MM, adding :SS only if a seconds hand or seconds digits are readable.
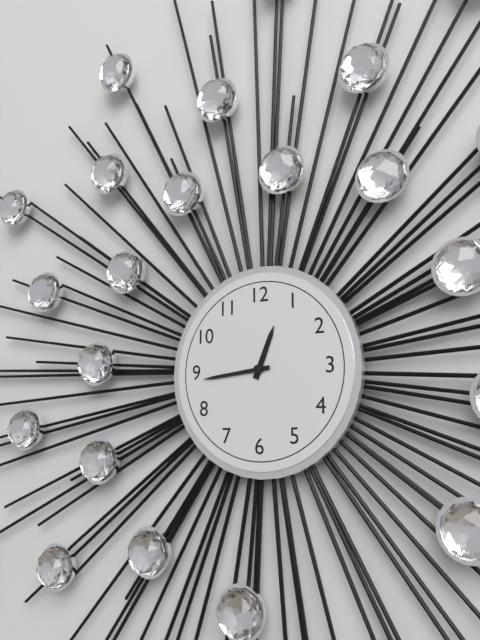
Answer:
12:44
